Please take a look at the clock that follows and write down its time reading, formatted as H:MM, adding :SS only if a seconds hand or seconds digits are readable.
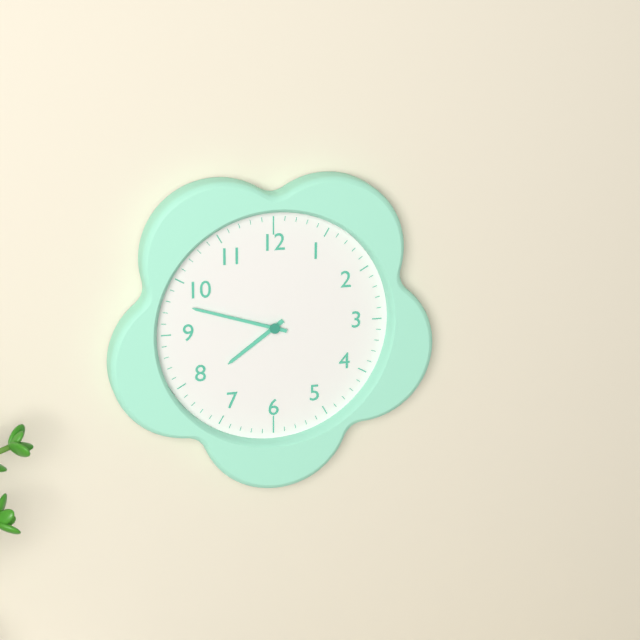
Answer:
7:48
